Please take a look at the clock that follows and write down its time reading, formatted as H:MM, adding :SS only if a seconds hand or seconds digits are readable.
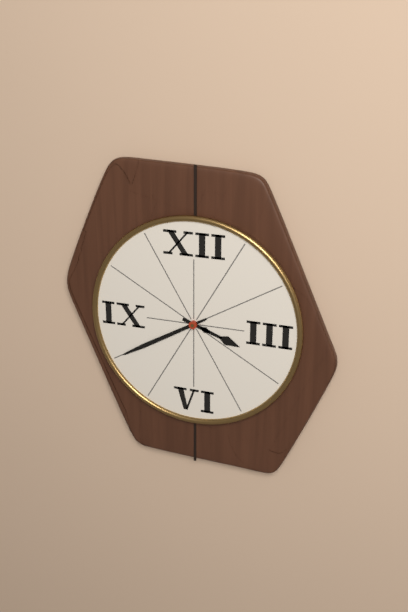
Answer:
3:40
